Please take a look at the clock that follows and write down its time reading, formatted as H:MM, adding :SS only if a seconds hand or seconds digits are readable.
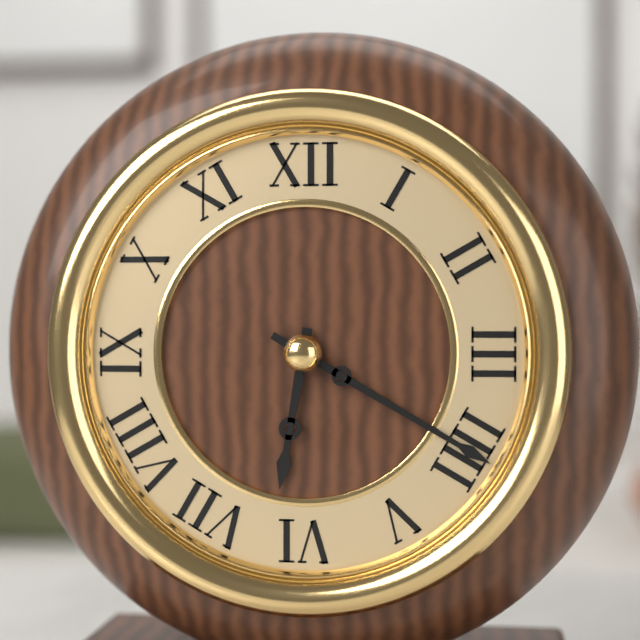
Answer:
6:20
